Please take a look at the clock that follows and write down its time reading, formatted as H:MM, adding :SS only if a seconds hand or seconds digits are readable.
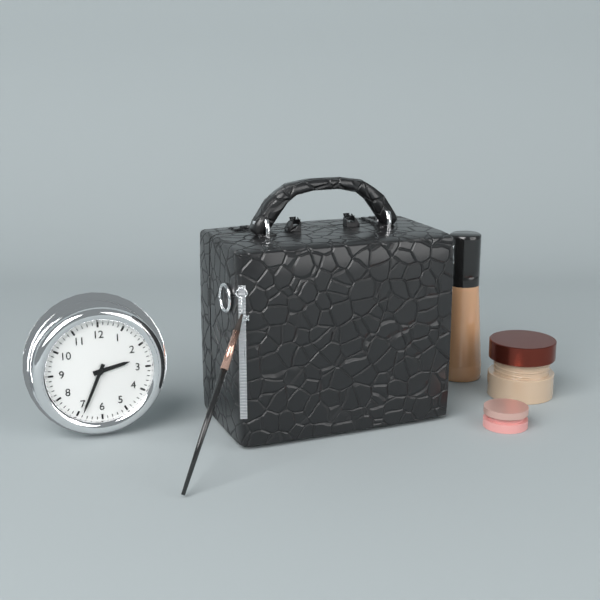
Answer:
2:34
